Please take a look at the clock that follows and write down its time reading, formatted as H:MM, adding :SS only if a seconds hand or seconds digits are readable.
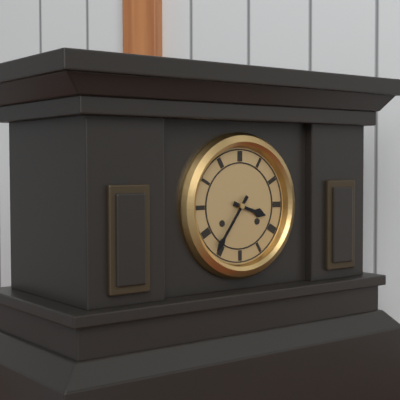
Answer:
3:36
